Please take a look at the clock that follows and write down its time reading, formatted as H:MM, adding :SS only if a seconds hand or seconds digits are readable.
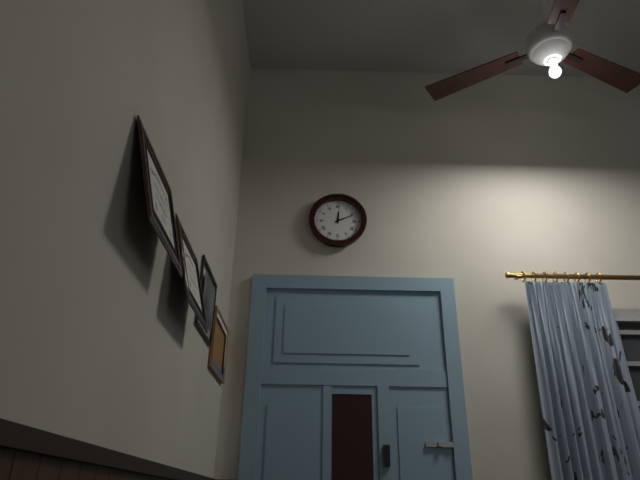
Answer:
12:11
